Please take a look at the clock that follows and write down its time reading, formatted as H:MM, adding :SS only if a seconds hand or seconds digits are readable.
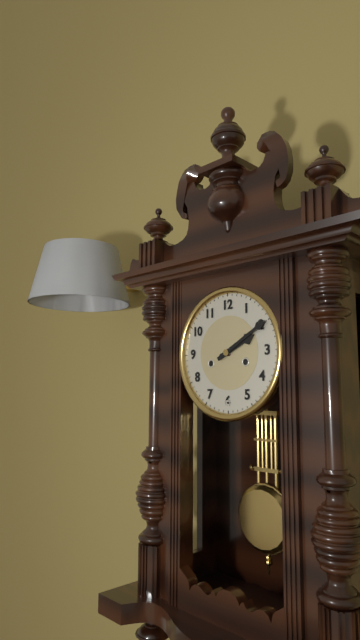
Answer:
2:10
